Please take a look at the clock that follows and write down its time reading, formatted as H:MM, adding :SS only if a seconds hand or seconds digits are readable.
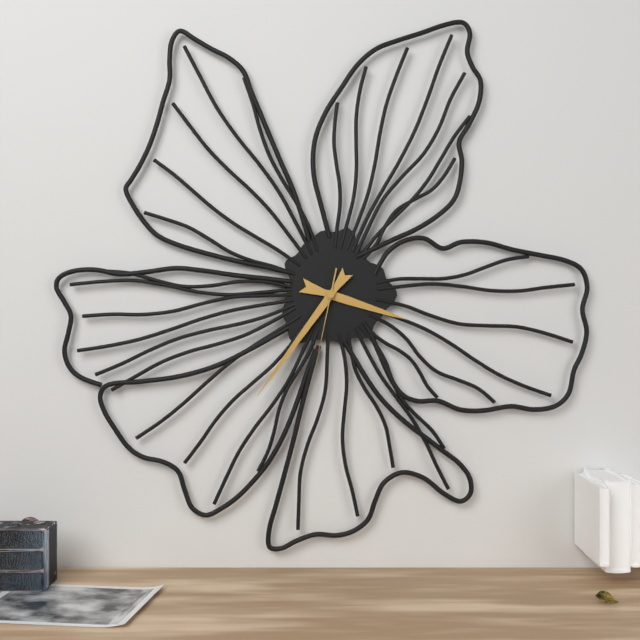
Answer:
3:36:32
